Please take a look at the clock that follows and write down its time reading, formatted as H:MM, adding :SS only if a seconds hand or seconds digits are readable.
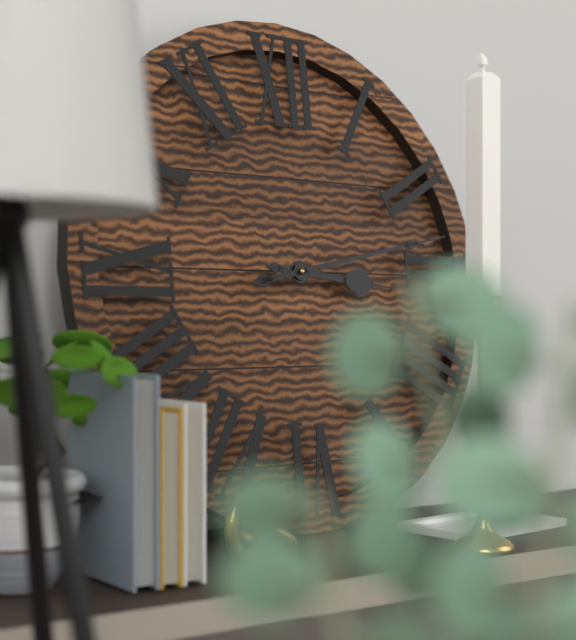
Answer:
3:13
